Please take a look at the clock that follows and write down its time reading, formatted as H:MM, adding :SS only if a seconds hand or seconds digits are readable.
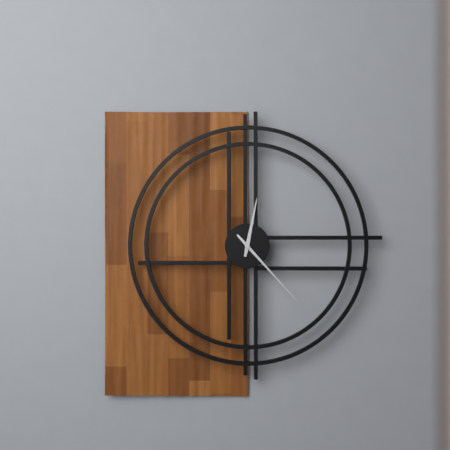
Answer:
12:23
